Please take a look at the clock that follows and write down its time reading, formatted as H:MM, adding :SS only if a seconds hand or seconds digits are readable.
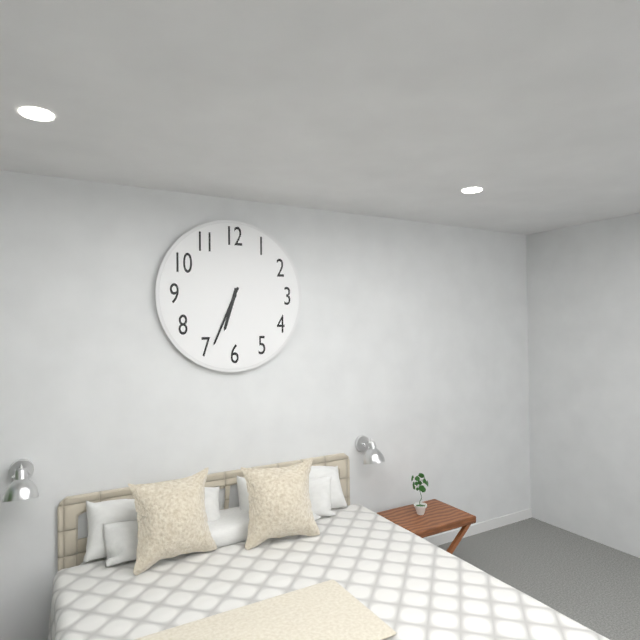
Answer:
6:34
